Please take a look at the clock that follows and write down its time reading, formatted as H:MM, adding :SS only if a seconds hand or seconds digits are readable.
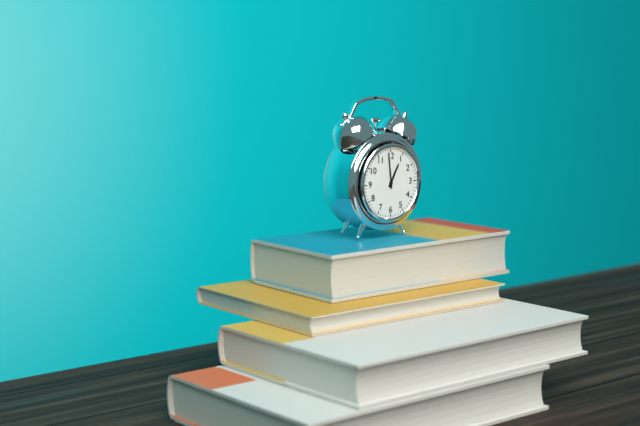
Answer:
12:59
